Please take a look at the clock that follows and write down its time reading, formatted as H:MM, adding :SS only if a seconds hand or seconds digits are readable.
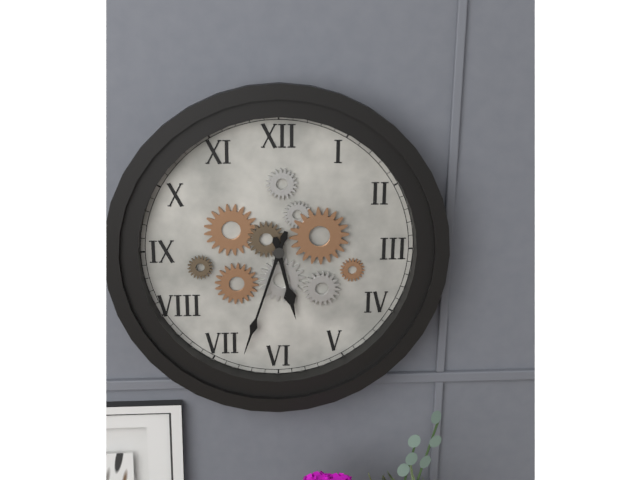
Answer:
5:33
